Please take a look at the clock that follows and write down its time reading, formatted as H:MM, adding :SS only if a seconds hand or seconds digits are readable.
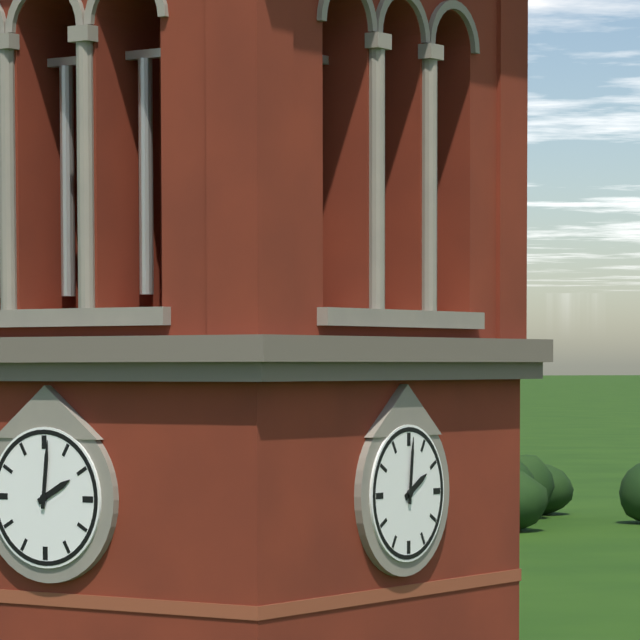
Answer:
2:01
